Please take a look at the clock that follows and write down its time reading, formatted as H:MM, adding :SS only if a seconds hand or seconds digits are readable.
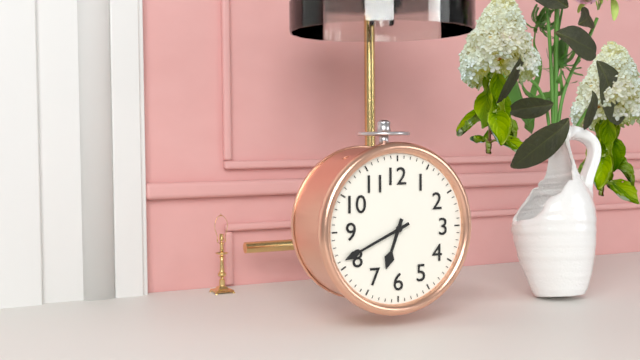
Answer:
6:41
